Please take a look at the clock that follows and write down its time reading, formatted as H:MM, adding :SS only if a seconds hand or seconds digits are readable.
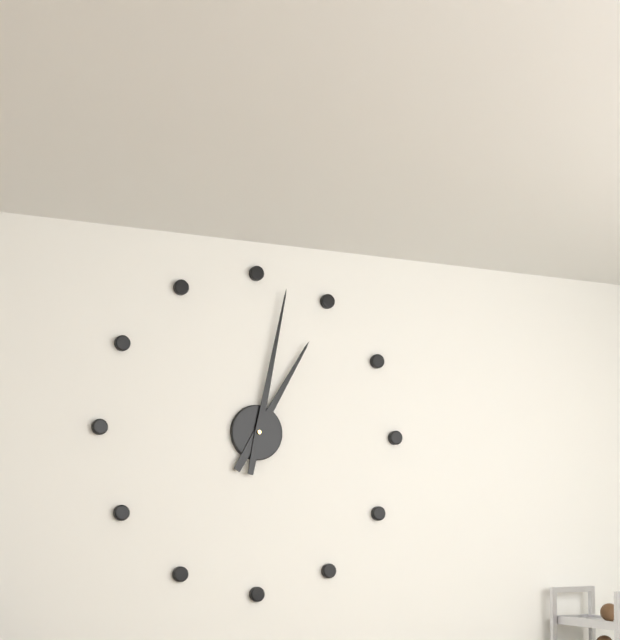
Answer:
1:02
